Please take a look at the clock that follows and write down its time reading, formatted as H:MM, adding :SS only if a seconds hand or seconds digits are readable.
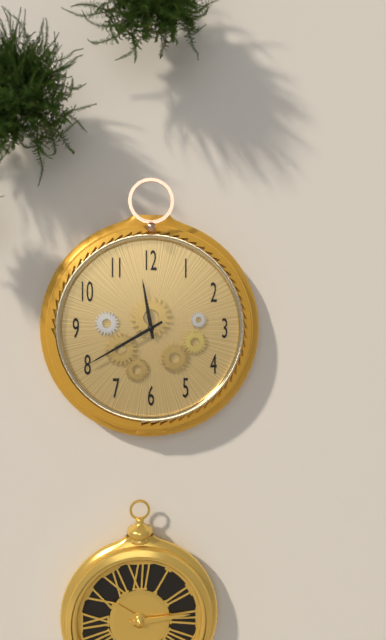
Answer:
11:40
